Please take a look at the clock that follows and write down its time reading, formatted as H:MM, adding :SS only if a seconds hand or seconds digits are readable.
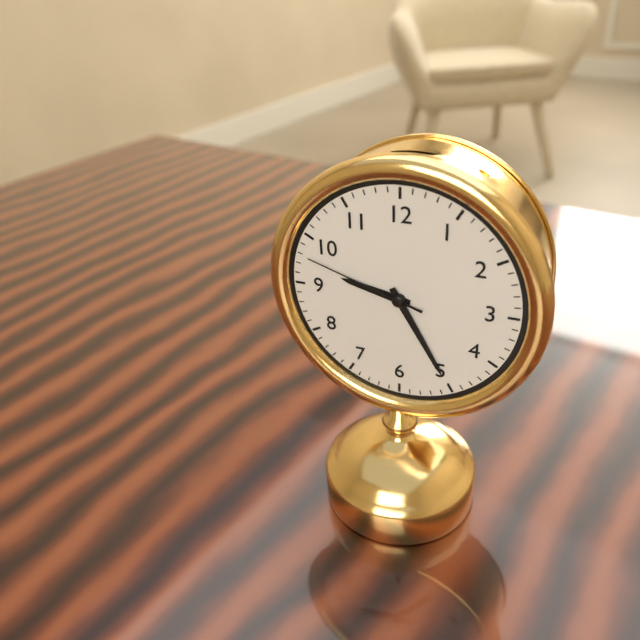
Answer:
9:25:48
